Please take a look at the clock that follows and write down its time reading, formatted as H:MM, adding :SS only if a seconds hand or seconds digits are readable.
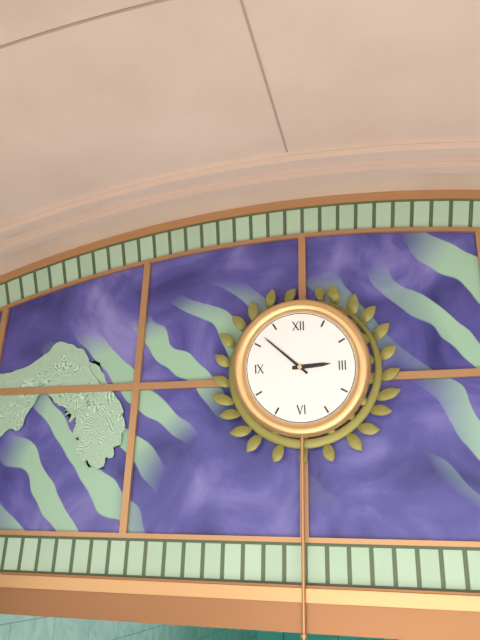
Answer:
2:52
